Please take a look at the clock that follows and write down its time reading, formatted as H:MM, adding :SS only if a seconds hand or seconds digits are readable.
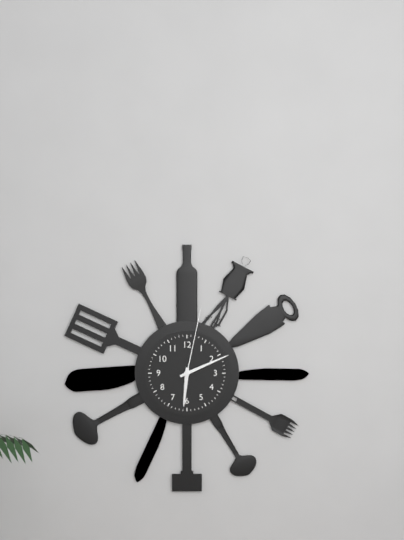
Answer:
6:11:02
